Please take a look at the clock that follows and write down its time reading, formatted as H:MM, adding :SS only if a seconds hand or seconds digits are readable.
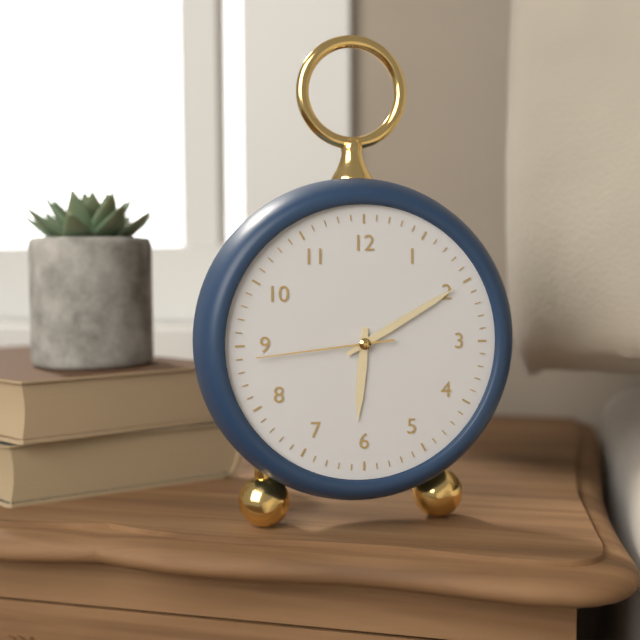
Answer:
6:10:44
